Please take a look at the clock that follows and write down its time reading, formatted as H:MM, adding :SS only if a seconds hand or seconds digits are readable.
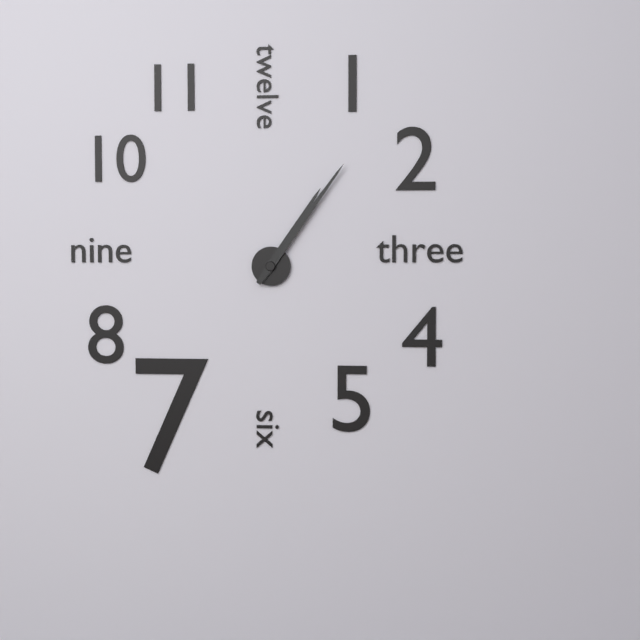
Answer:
1:06
